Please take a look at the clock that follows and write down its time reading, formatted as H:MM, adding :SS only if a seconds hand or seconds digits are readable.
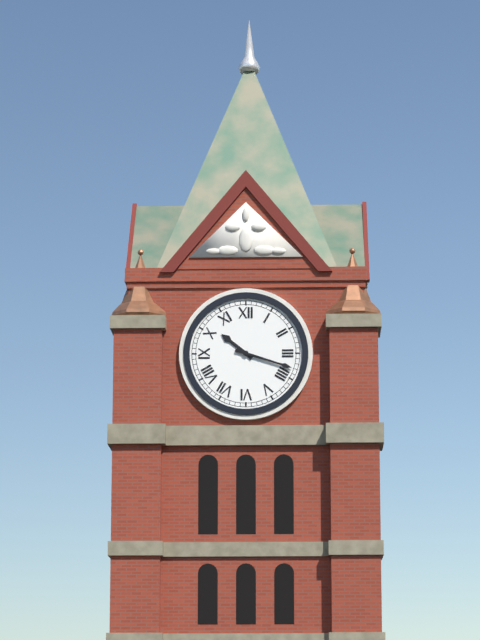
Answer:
10:18
